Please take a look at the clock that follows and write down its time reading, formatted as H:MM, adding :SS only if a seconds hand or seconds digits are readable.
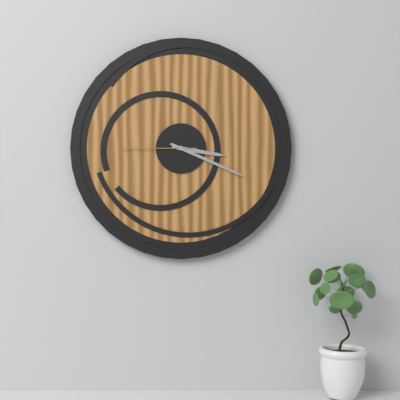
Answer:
3:19:45
